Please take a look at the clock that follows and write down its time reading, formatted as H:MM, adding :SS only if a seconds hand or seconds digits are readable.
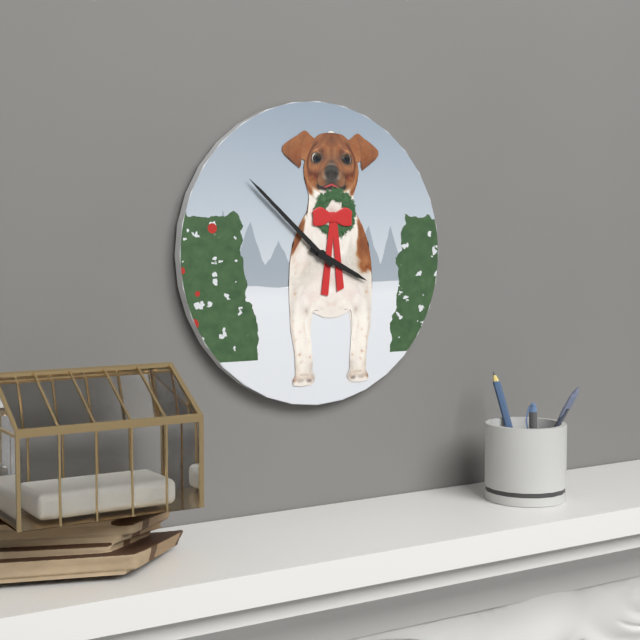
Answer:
3:52
